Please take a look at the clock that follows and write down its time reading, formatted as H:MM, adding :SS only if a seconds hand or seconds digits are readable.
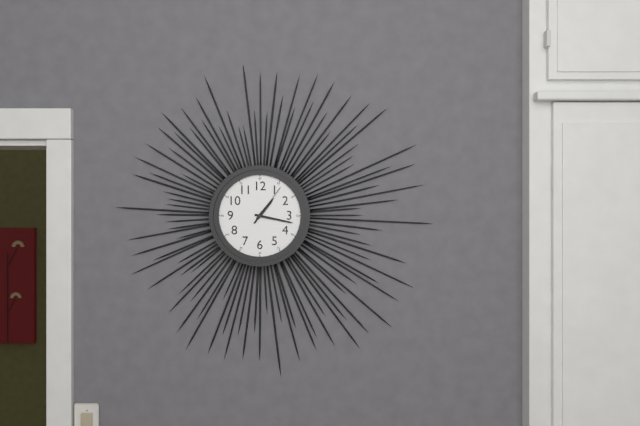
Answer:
1:17
